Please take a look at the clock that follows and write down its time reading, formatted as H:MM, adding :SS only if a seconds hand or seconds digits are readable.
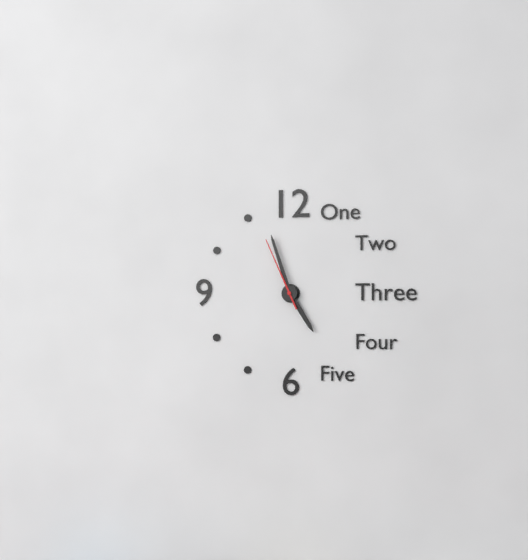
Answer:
4:57:56
